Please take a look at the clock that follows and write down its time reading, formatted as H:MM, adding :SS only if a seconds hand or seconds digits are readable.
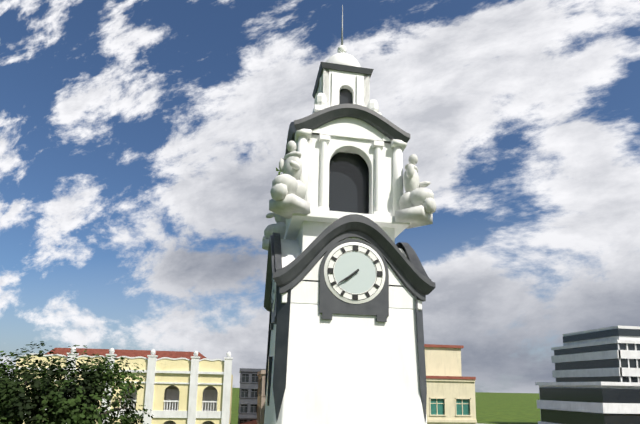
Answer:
7:39
